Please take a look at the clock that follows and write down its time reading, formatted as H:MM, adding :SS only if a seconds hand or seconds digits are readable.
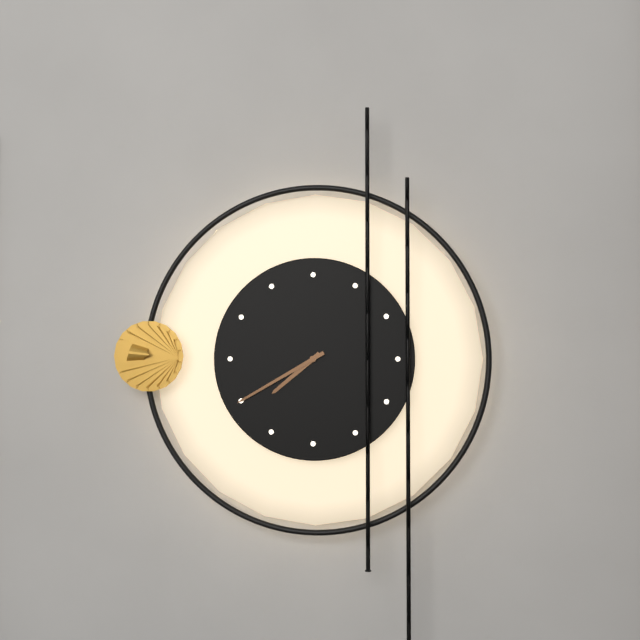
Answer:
7:40
